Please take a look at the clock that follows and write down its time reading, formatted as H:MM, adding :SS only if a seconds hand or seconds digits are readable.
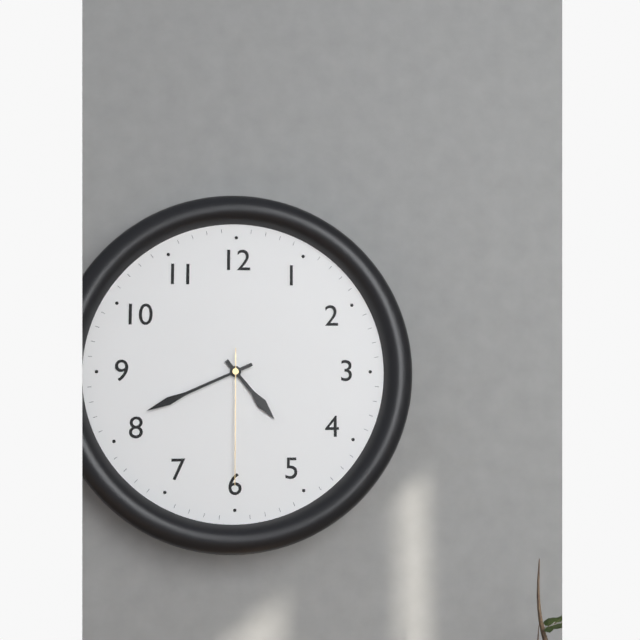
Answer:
4:41:30
